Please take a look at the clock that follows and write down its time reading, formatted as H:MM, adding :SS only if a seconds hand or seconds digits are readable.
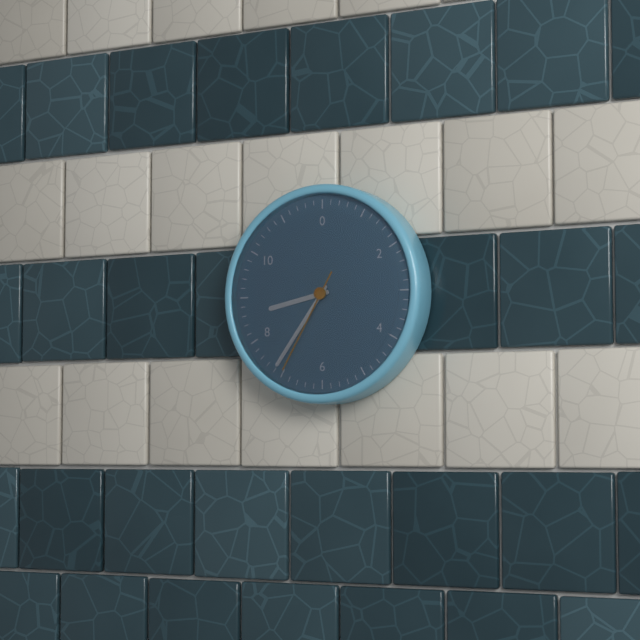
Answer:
8:36:35
